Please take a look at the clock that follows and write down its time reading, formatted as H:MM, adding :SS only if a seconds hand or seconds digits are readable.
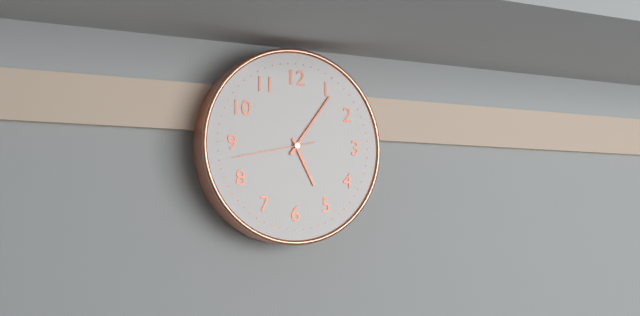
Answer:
5:06:43
